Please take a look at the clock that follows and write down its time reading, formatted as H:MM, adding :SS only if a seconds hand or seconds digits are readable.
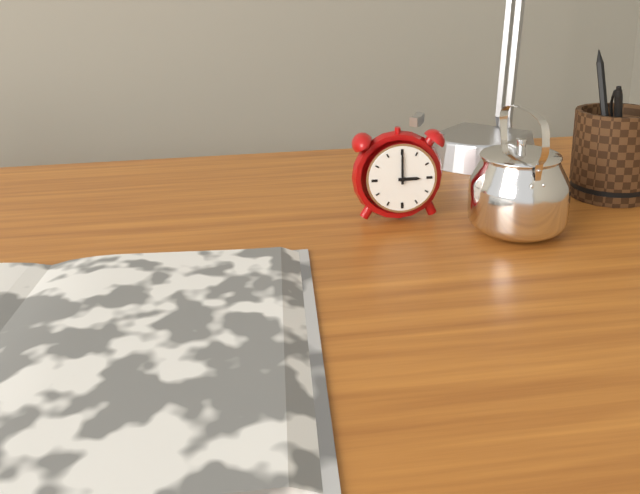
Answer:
3:00
